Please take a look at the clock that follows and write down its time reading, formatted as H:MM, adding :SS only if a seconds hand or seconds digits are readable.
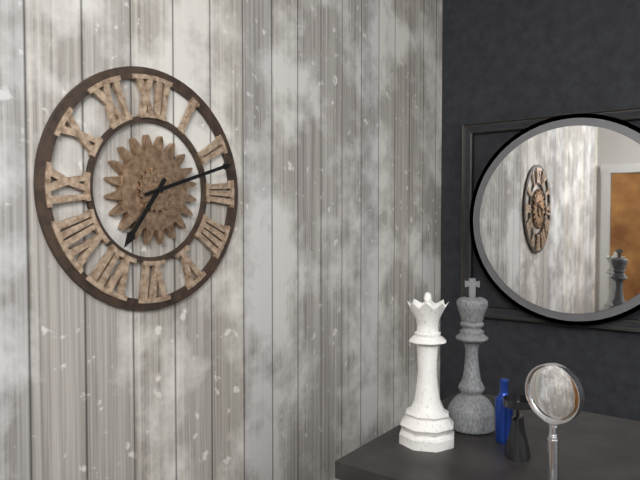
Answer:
7:12
